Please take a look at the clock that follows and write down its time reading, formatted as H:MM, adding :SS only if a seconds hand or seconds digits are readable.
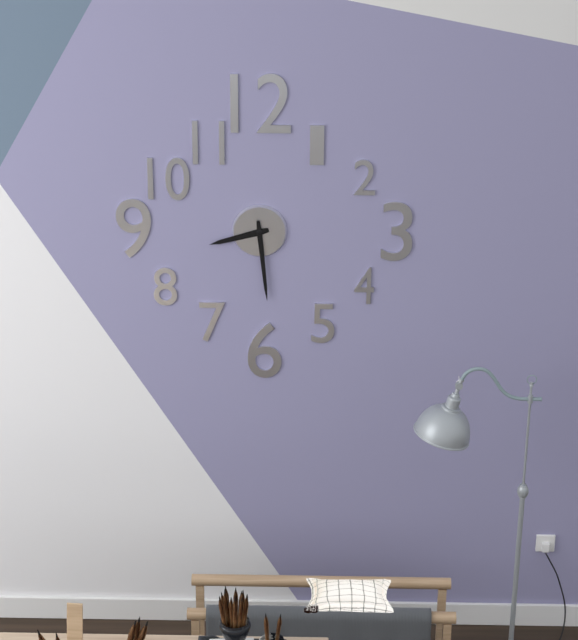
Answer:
8:29
